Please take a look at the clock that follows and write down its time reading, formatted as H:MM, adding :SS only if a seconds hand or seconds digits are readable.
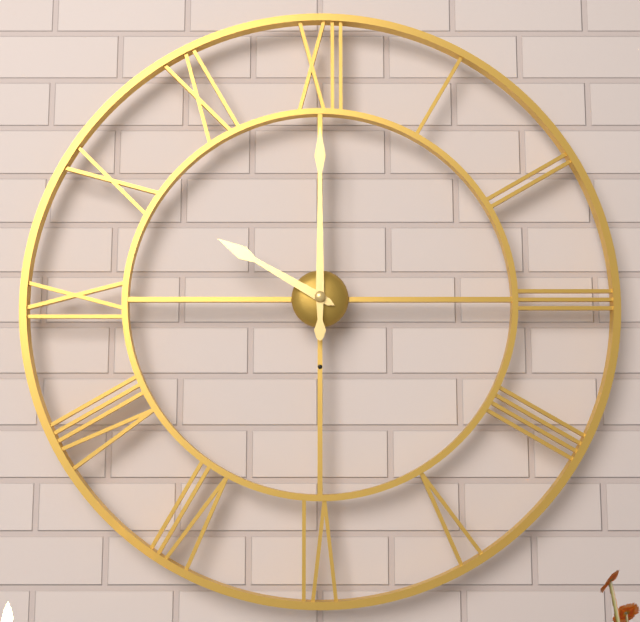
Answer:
10:00
